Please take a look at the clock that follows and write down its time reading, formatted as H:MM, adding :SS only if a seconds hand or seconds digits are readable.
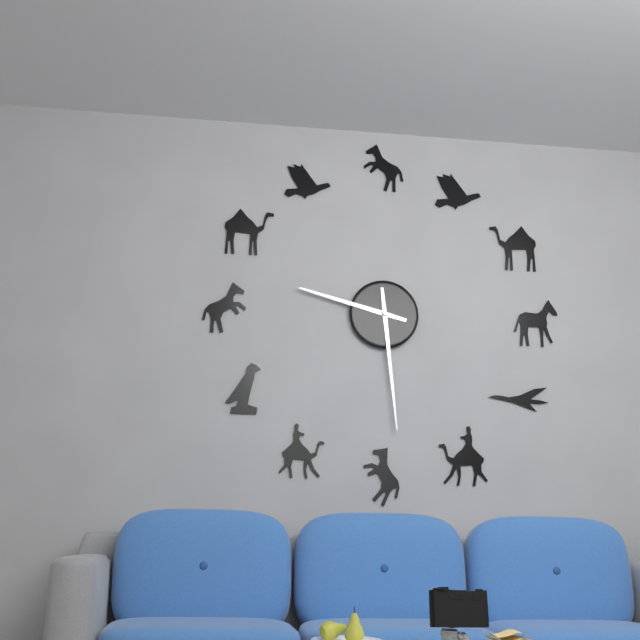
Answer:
9:29
